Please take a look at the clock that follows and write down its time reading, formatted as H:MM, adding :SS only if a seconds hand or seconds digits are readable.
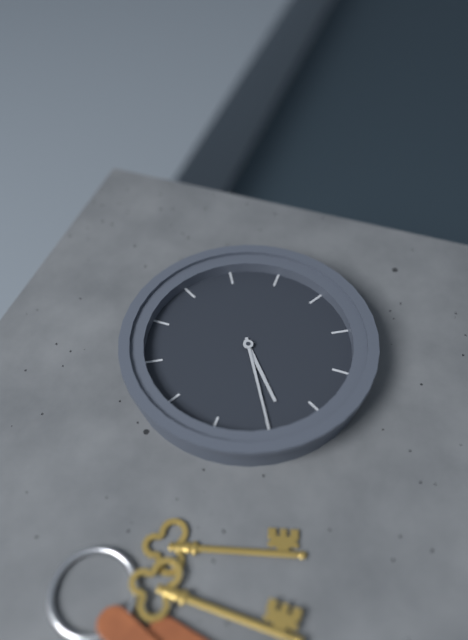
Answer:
7:40
